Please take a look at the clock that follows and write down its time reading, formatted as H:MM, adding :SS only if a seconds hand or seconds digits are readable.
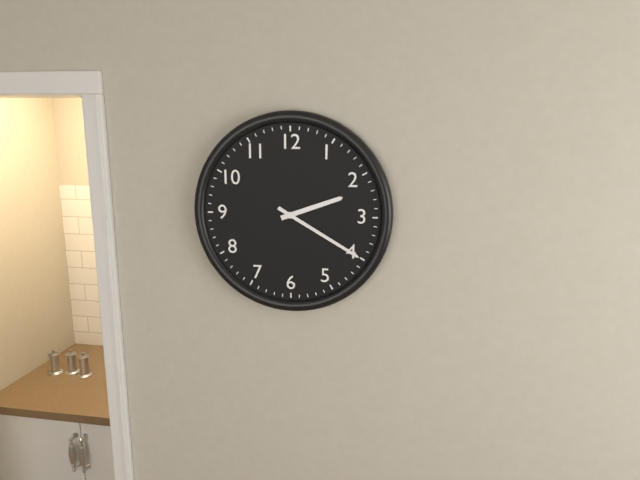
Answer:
2:20
